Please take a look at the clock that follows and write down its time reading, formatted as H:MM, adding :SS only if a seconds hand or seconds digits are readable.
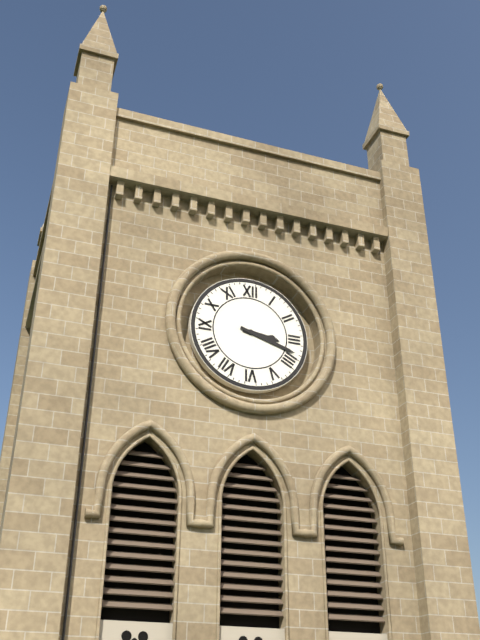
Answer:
3:18
